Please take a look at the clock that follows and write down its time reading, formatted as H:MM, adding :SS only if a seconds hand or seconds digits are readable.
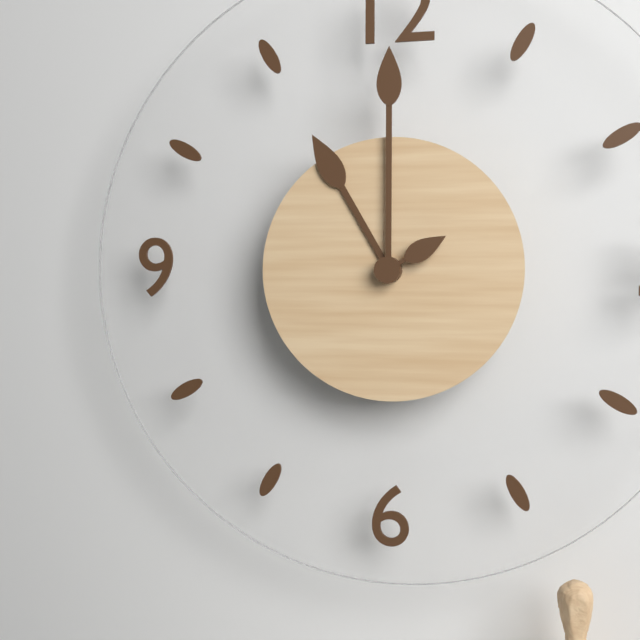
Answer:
11:00:10
